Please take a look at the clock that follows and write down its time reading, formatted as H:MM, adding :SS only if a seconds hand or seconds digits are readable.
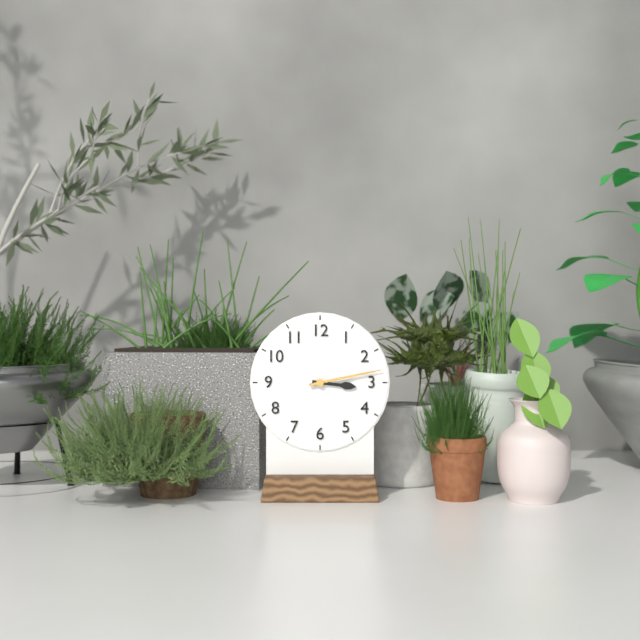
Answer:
3:13
